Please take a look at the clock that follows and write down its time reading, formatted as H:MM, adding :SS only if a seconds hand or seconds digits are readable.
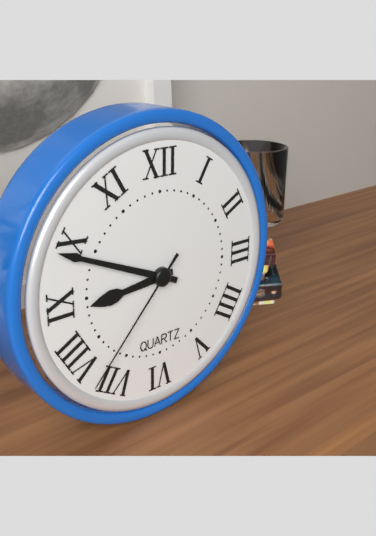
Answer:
8:49:37
